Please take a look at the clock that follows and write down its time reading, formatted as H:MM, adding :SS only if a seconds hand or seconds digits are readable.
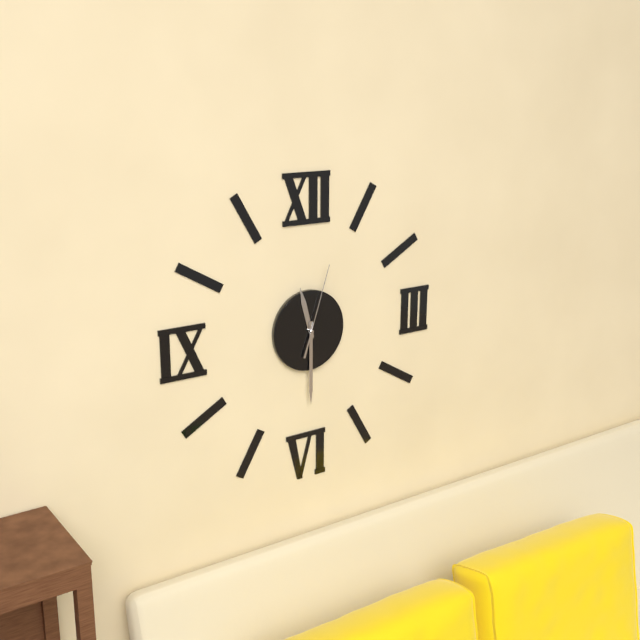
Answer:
11:30:03
